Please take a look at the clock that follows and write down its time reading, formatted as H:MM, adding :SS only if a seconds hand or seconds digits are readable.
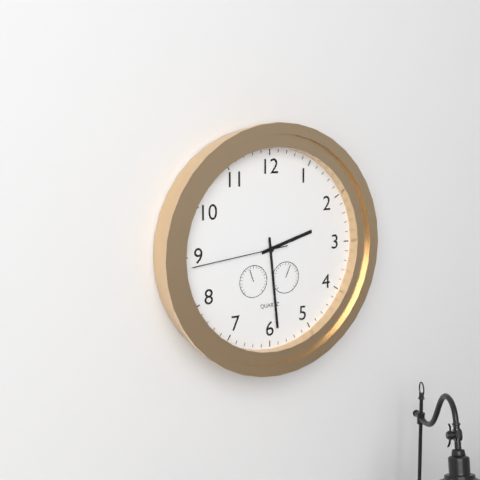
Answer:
2:29:44
